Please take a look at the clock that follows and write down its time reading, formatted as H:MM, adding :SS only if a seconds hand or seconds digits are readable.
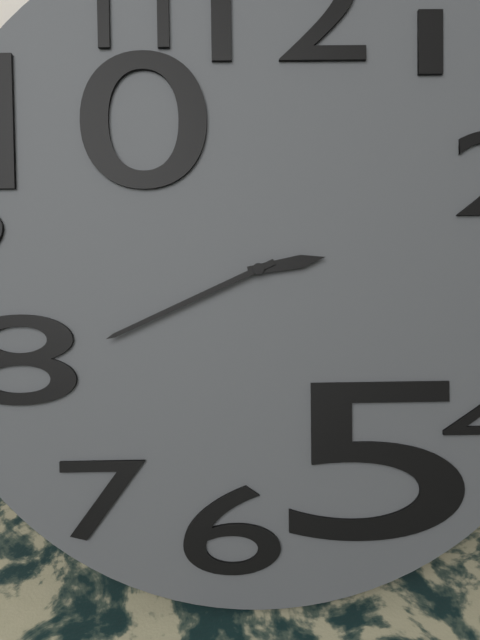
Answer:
2:41
